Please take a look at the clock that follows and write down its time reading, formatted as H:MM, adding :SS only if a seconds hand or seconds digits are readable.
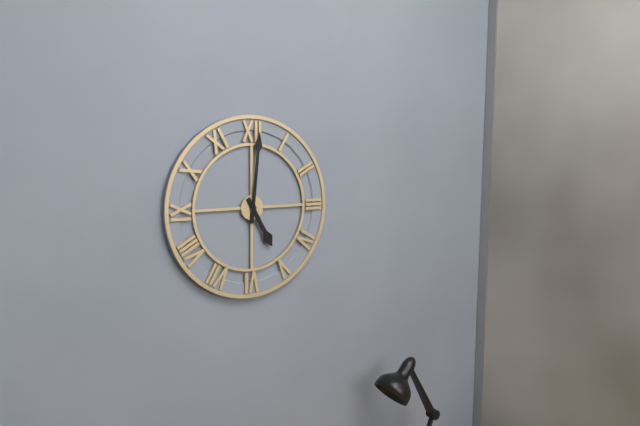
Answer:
5:01
